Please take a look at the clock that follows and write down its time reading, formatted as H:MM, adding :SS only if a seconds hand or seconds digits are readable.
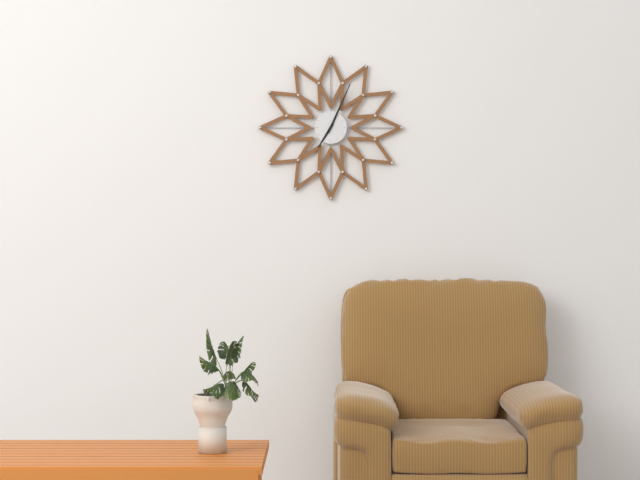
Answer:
7:04
